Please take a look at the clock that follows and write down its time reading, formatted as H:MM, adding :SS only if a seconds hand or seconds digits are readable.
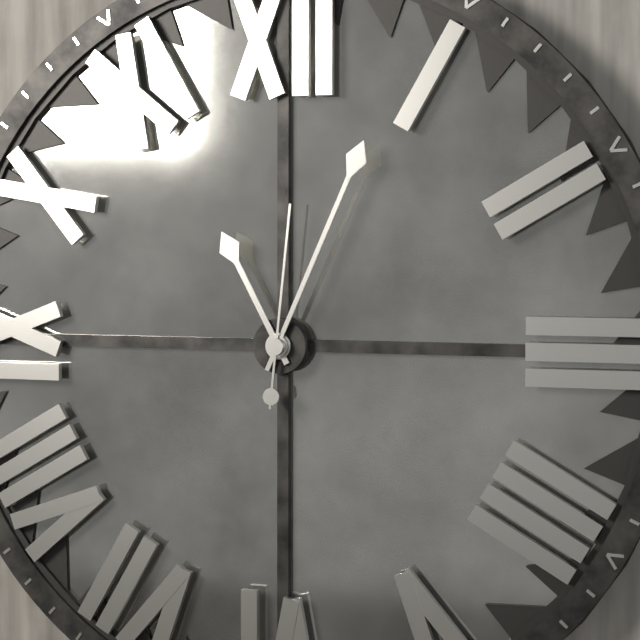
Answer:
11:04:01
